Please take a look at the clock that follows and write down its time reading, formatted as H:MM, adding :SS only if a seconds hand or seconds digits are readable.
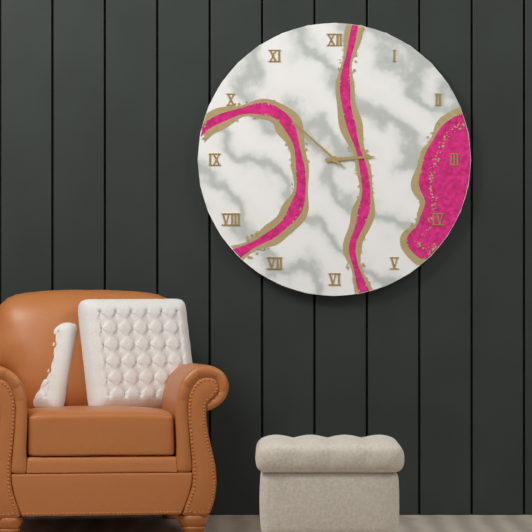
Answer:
2:52
